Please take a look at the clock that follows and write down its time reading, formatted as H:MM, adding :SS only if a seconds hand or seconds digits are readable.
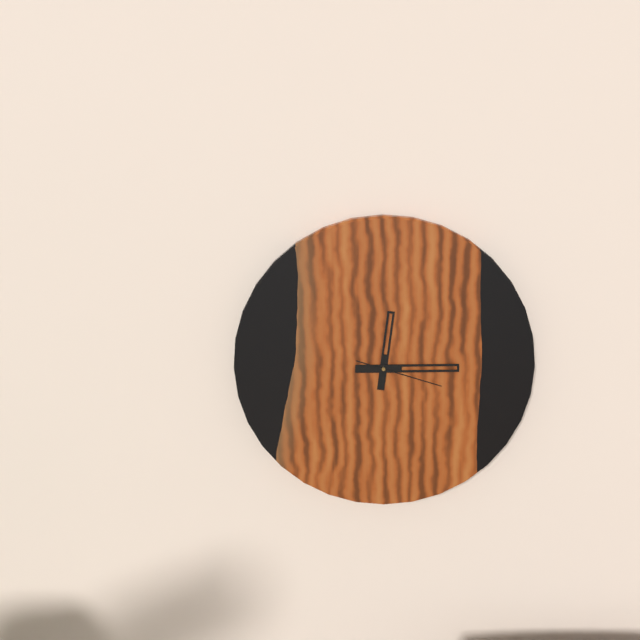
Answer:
12:15:18
